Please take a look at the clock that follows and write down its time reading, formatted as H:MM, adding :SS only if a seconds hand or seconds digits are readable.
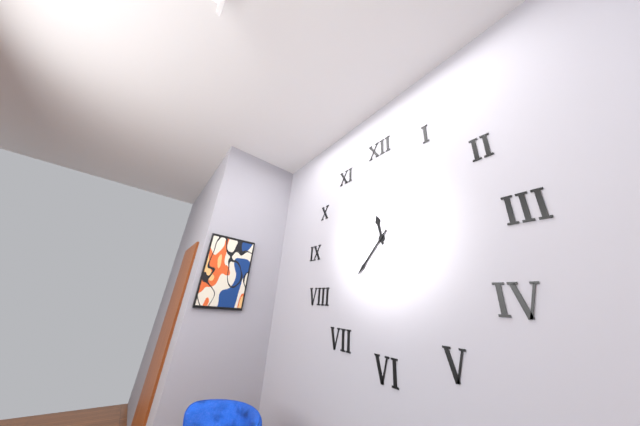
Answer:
11:37
